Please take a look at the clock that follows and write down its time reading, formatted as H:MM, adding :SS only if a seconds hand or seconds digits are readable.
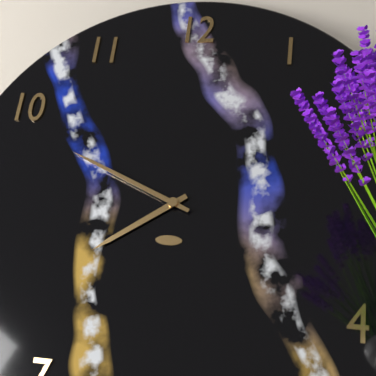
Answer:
7:49
